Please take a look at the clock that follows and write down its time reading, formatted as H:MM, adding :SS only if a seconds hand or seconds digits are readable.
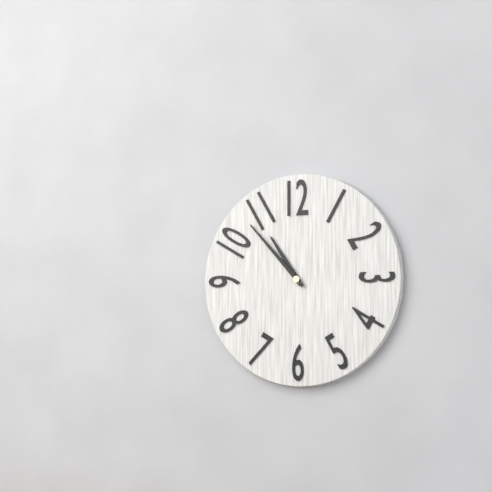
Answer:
10:53
